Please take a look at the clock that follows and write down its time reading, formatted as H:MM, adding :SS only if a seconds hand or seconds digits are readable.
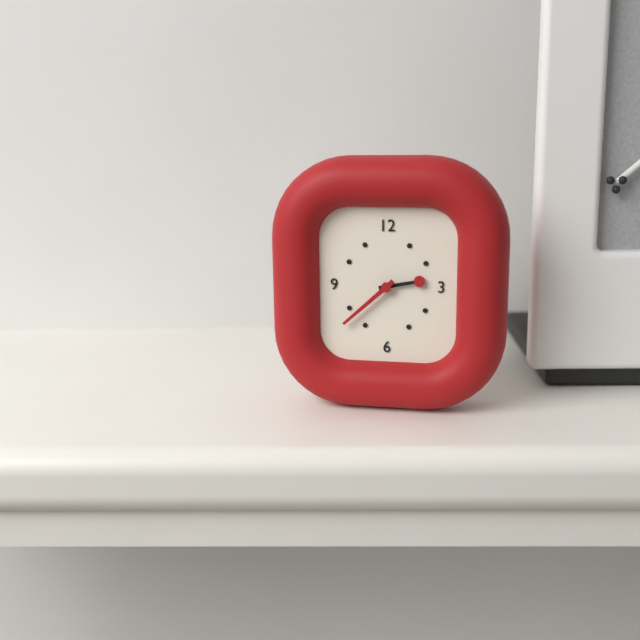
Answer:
2:38
